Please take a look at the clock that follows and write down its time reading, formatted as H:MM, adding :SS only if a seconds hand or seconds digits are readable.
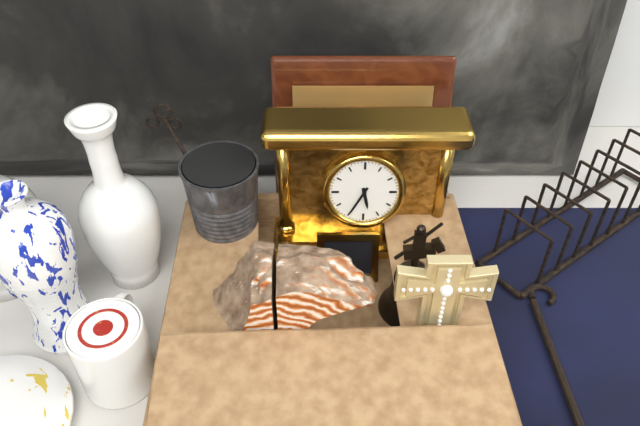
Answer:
5:35
